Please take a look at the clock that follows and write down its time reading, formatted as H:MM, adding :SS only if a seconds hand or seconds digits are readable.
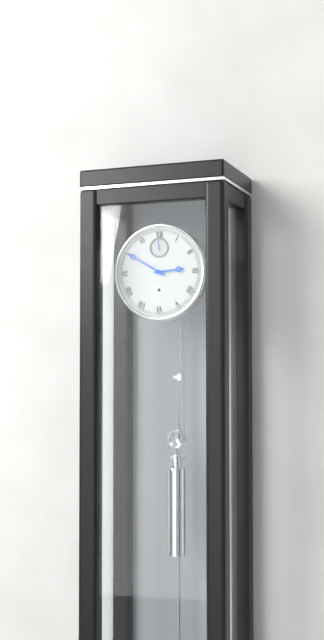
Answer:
2:50
